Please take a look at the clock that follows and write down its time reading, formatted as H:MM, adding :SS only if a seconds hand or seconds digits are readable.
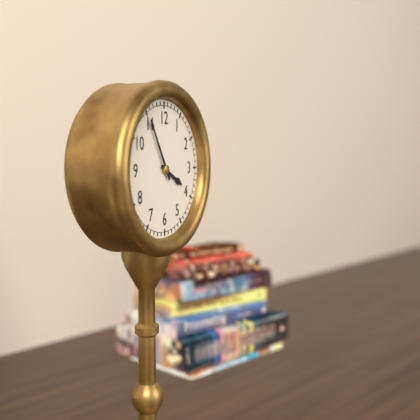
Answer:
3:55
